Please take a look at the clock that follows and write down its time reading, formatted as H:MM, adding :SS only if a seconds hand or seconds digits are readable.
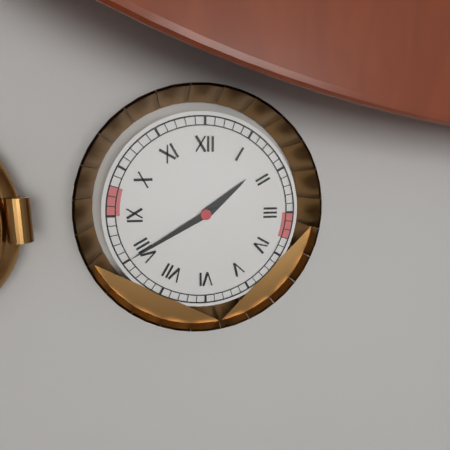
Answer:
1:40
